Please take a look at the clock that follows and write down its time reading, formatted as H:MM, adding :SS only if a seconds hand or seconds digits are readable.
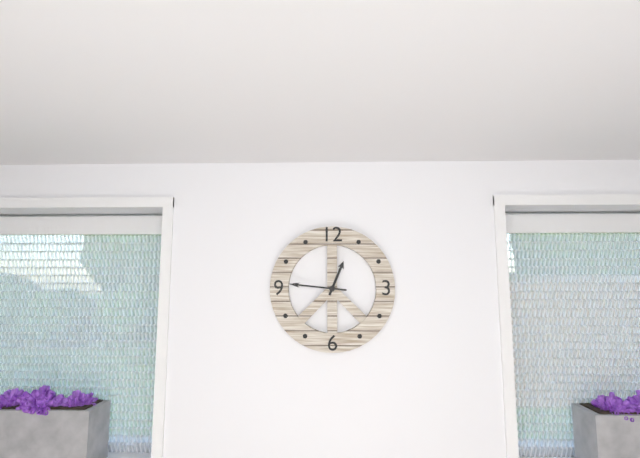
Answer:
12:46
